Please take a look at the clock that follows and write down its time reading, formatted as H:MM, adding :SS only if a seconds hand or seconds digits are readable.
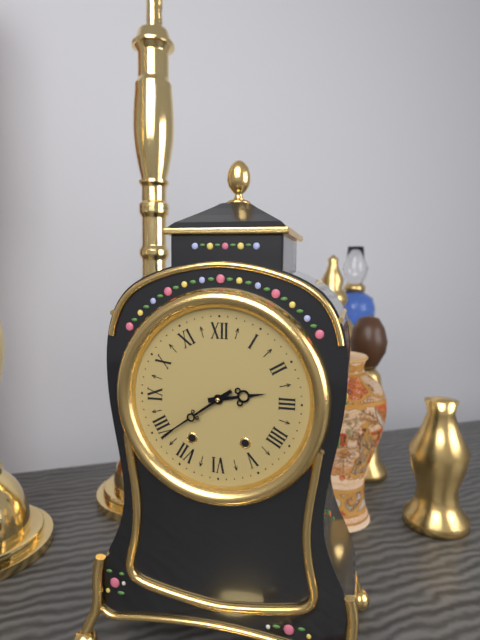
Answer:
2:39
